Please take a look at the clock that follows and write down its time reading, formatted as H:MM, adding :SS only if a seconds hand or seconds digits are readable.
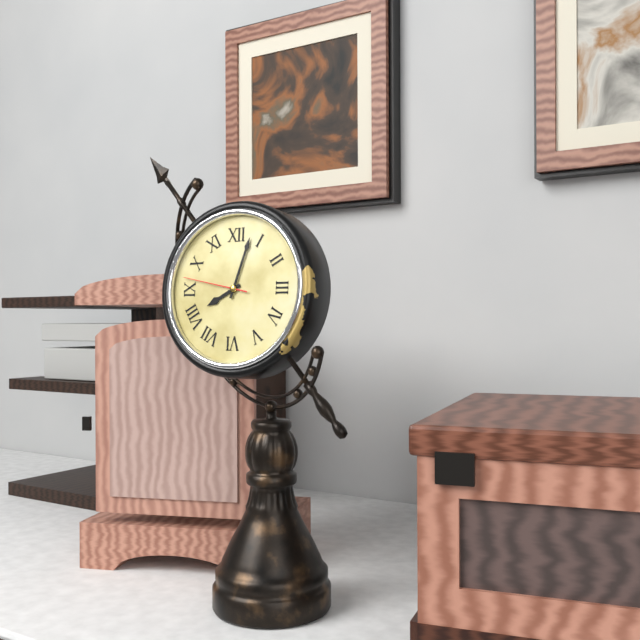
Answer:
8:03:47
